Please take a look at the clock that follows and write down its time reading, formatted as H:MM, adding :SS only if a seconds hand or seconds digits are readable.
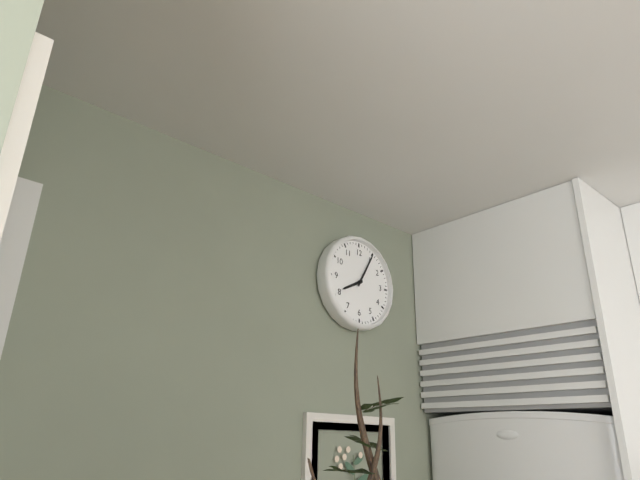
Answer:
8:05
